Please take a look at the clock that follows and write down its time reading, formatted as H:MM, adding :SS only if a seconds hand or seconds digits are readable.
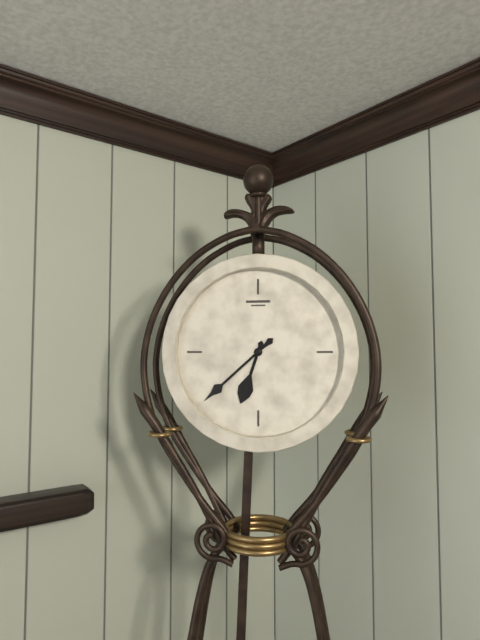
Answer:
6:38
